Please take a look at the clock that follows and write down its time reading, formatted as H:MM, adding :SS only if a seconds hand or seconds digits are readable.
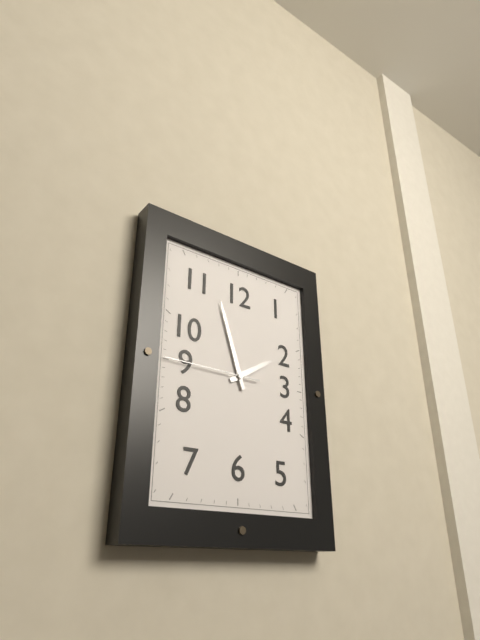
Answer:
1:57:45
